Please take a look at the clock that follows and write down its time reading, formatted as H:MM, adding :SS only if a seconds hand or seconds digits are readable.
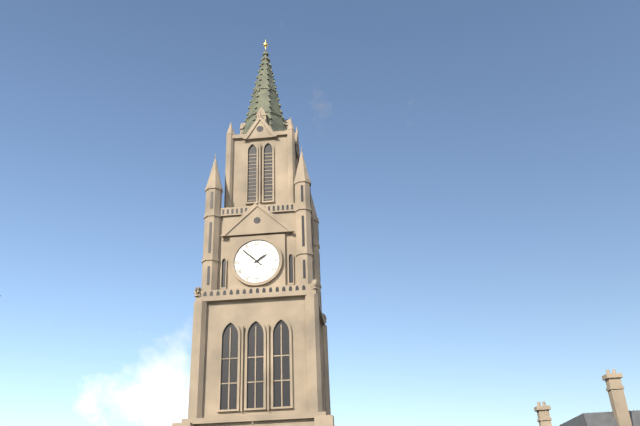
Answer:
1:52
